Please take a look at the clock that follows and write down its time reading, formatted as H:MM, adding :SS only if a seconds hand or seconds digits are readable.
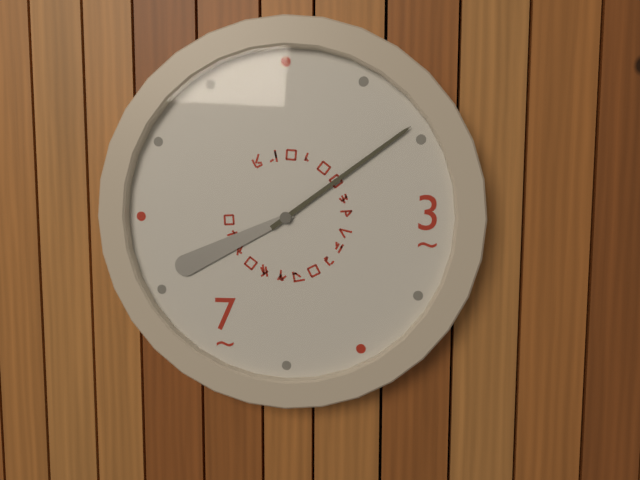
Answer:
8:09
